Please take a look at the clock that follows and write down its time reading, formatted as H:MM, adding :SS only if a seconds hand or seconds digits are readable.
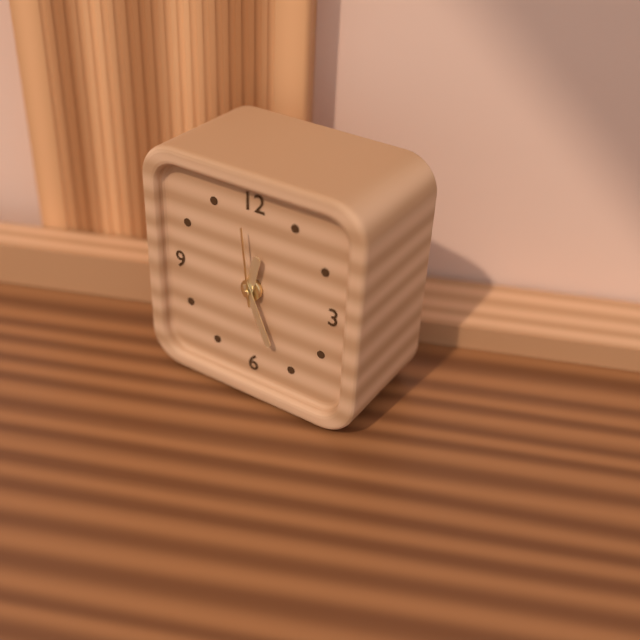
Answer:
12:26:59
